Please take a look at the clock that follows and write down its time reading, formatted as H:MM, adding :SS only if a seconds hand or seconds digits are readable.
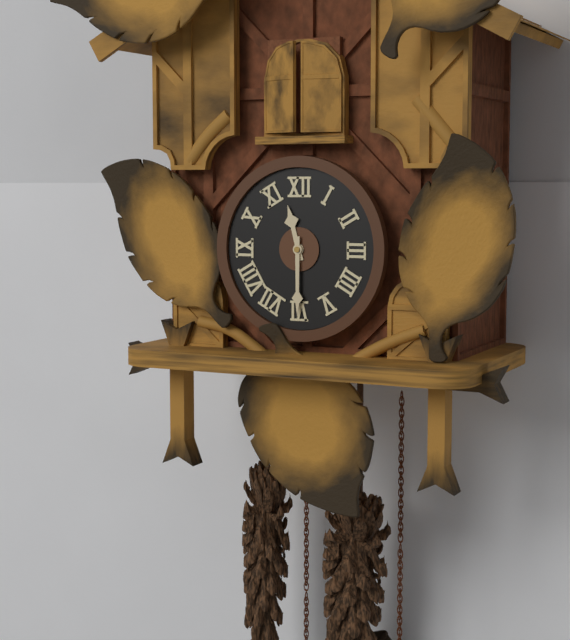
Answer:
11:30
